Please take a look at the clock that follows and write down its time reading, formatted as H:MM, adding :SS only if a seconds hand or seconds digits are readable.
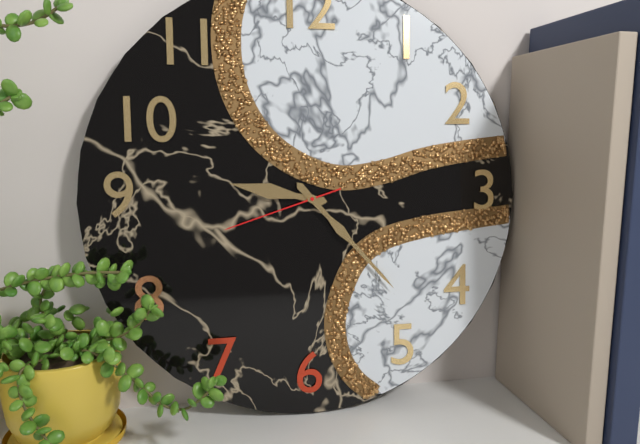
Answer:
9:23:42
